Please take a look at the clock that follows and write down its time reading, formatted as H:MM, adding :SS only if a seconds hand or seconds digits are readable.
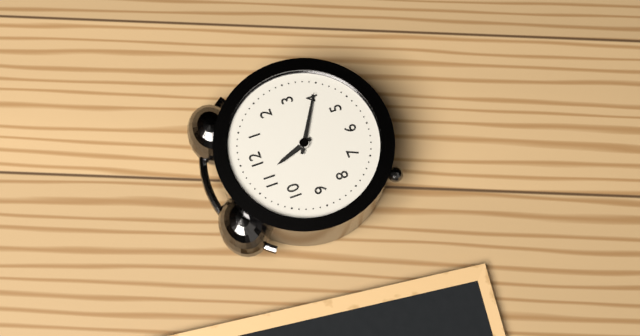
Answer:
11:20
